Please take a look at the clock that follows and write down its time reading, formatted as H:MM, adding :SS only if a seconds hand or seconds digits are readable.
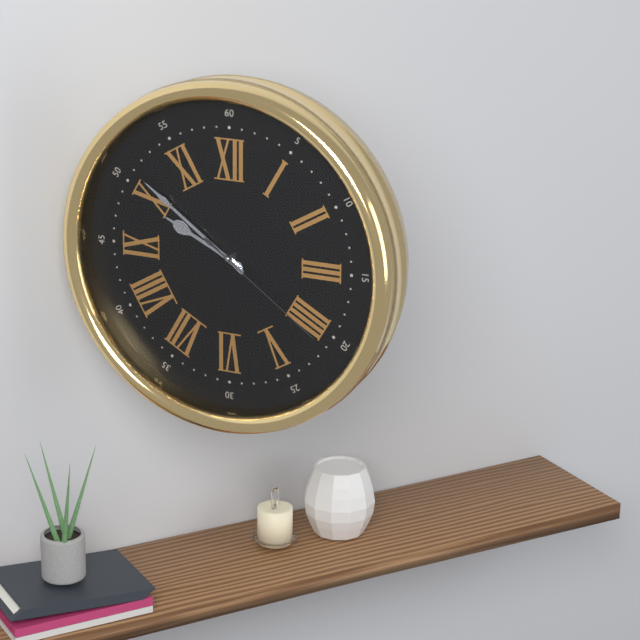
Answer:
9:51:21
